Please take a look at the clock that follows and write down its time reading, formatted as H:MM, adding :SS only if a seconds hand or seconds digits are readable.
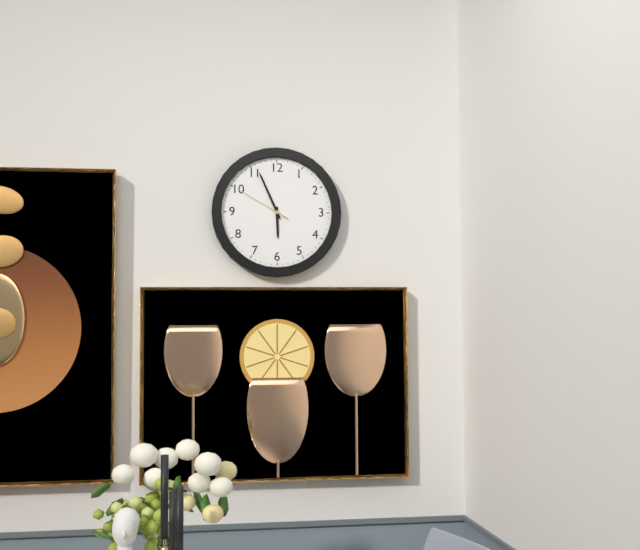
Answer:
5:56:50
